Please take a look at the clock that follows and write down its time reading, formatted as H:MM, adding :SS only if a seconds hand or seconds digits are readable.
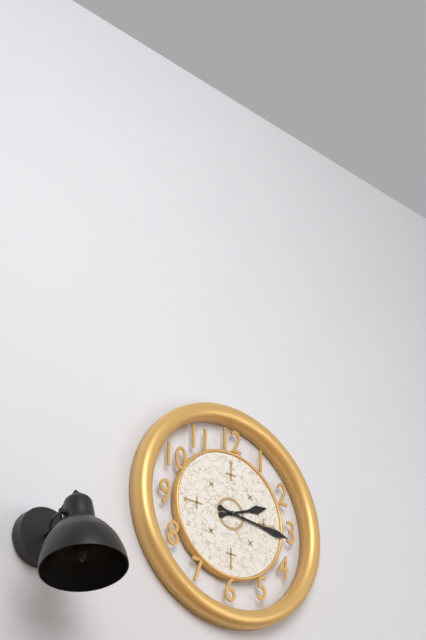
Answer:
2:16
